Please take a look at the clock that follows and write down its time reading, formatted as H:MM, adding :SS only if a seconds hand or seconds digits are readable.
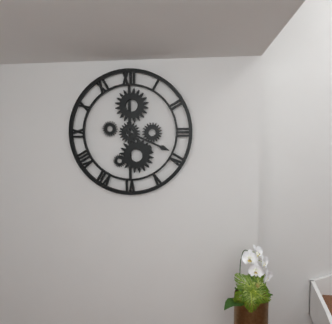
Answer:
4:19
